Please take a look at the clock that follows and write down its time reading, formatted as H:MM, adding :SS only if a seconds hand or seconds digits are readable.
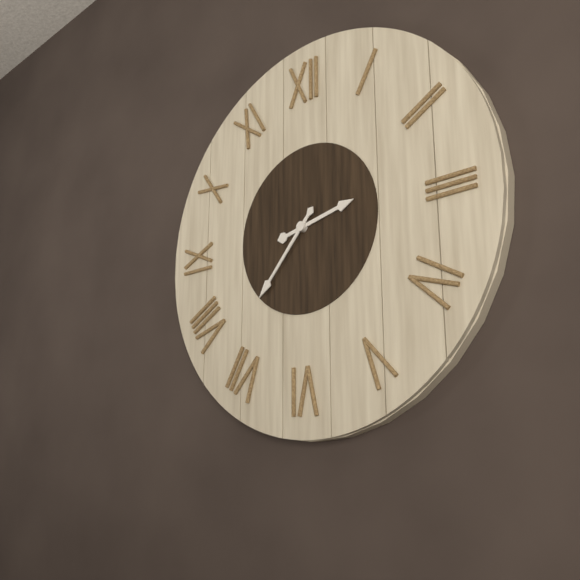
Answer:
2:37
